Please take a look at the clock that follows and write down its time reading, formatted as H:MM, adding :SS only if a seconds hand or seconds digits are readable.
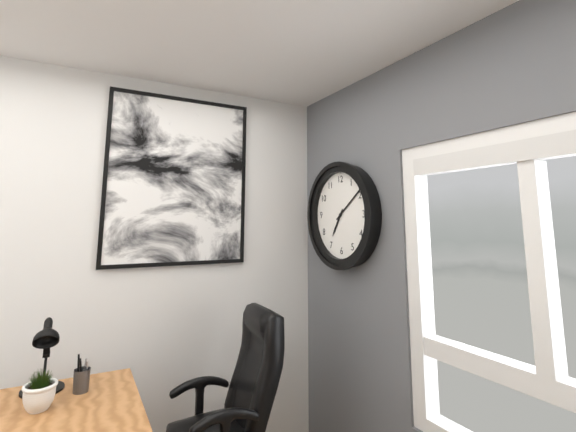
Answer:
7:09
